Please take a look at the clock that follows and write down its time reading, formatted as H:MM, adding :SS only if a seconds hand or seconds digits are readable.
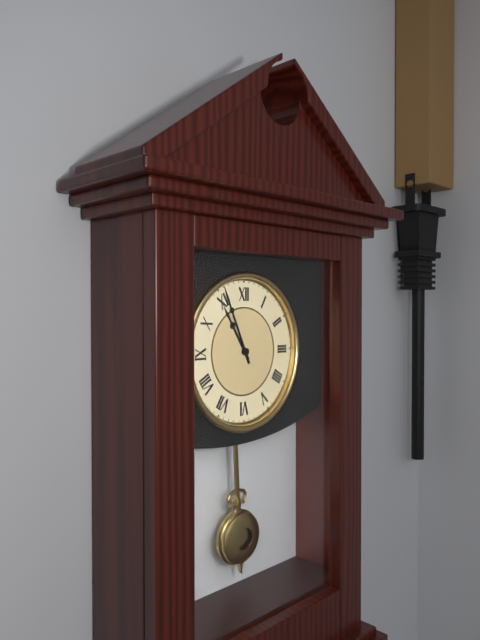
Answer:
10:56
